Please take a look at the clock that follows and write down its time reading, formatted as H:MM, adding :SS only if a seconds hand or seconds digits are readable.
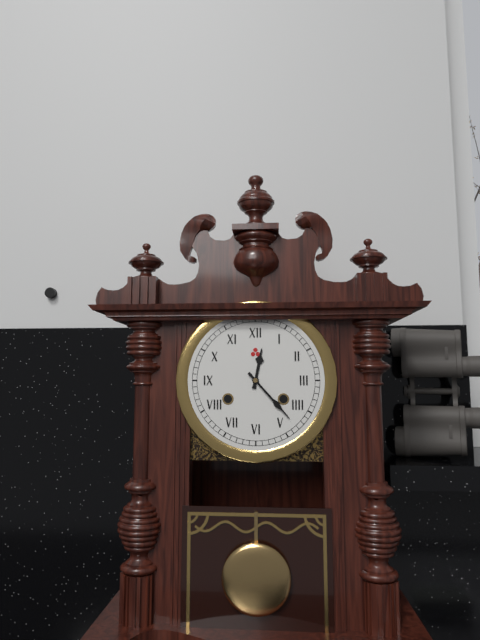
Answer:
12:23
